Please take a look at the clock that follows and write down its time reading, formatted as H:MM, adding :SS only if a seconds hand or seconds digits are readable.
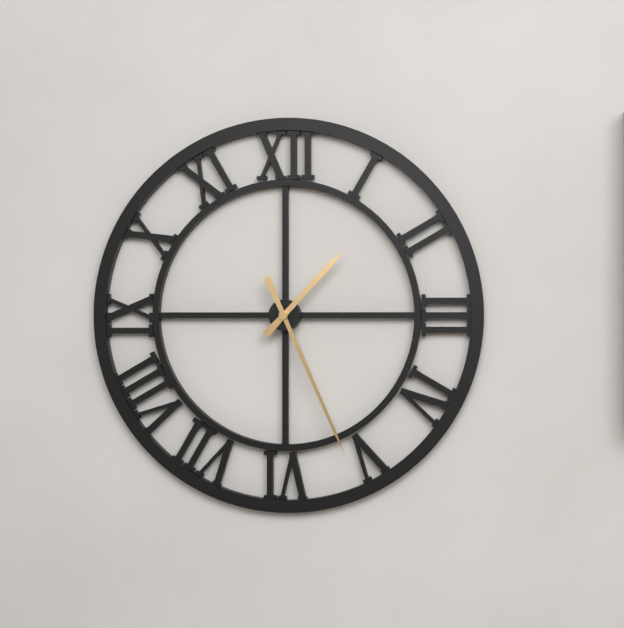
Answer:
1:26
